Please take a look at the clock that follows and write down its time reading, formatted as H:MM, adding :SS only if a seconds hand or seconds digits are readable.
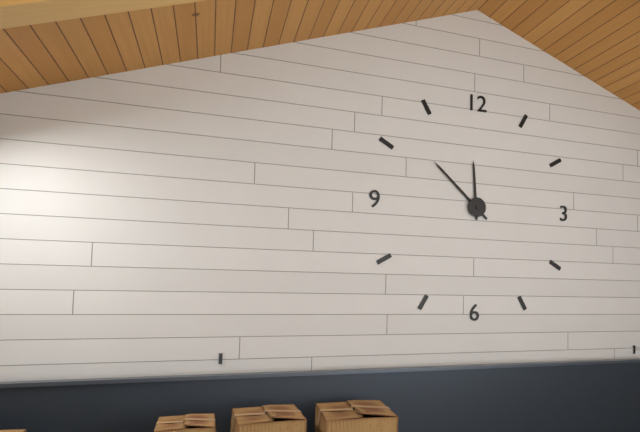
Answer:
11:52
